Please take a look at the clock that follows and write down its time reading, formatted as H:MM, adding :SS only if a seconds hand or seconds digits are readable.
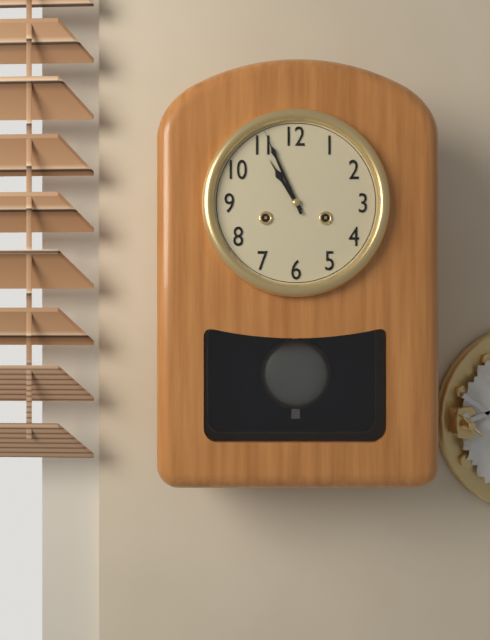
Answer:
10:56
